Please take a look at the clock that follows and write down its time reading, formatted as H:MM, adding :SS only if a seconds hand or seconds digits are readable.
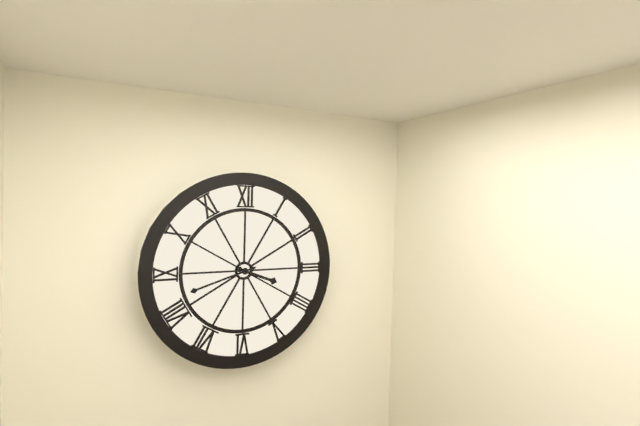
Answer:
3:42
